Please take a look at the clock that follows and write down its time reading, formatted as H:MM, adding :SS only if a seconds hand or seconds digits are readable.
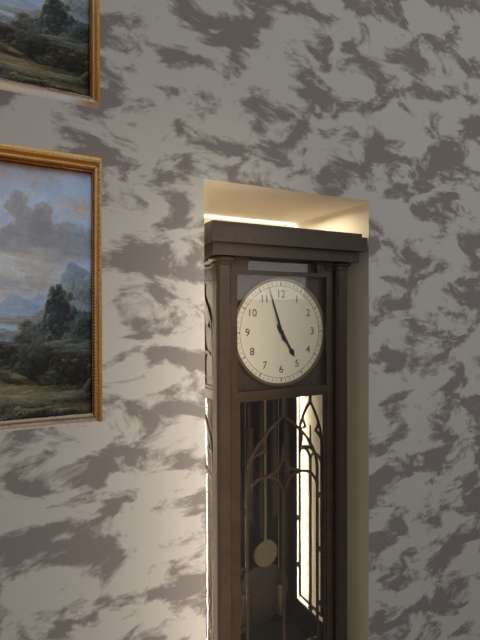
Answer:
4:57
